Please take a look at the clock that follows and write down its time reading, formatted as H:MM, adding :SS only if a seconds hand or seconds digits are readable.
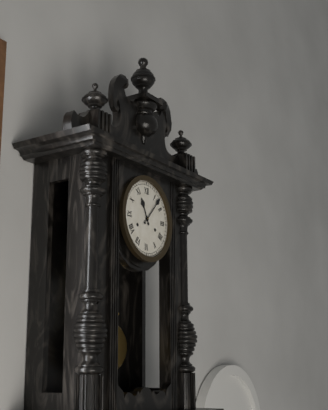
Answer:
11:07
